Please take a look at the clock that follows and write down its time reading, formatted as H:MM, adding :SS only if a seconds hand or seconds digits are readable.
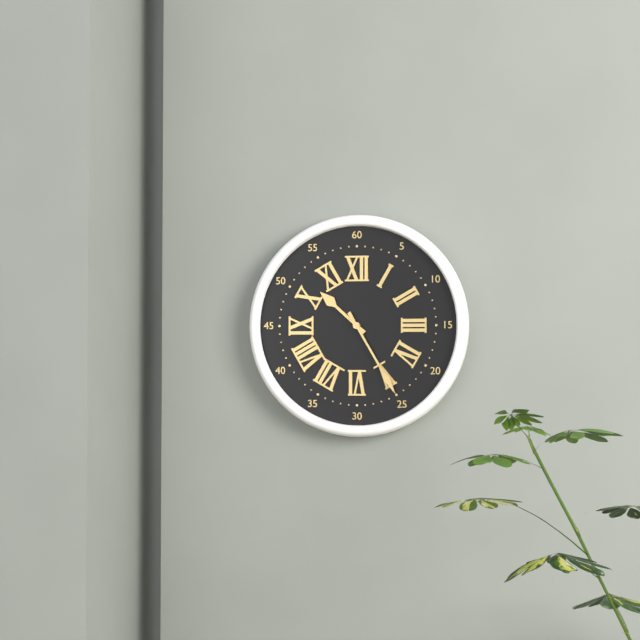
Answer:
10:25
